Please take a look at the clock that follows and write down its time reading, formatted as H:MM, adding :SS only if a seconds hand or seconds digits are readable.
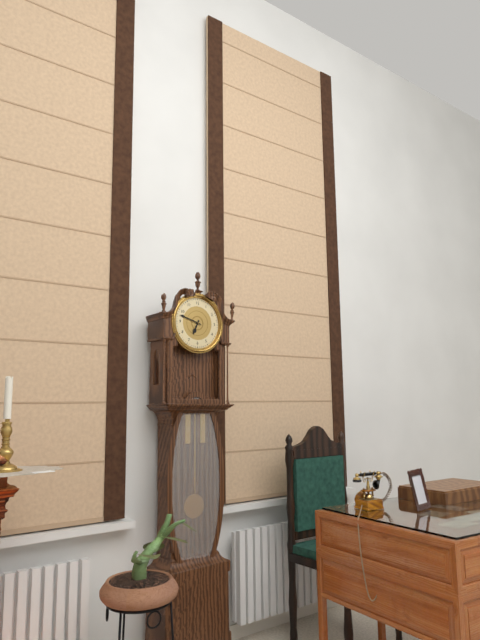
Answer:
6:48
